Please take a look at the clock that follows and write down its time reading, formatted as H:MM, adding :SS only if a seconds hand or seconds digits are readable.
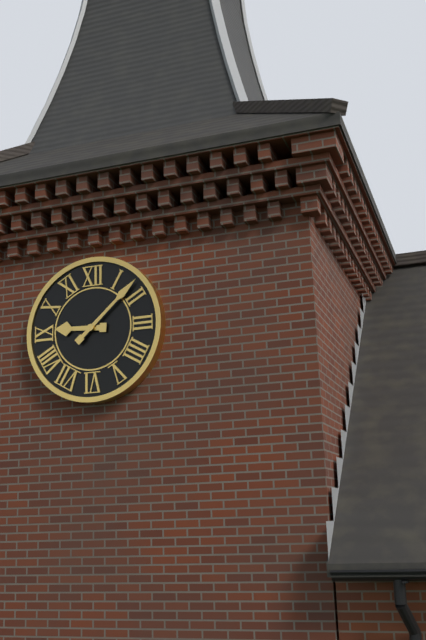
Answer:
9:08
